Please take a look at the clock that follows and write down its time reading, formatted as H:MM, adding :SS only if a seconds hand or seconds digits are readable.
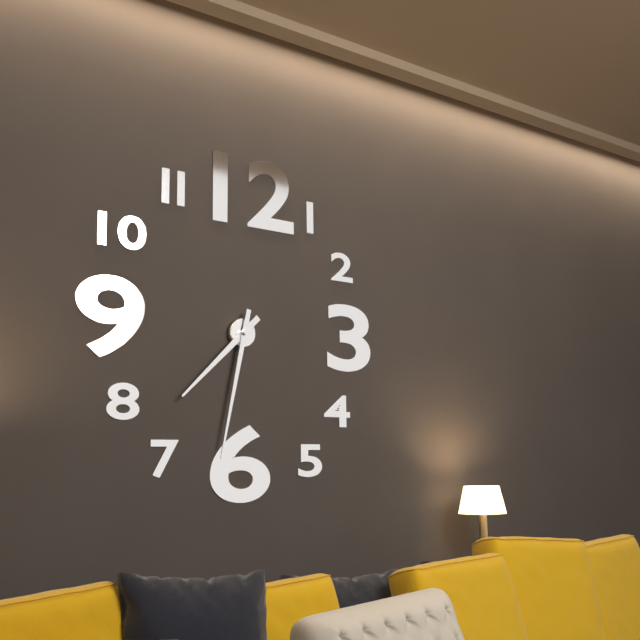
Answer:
7:32
